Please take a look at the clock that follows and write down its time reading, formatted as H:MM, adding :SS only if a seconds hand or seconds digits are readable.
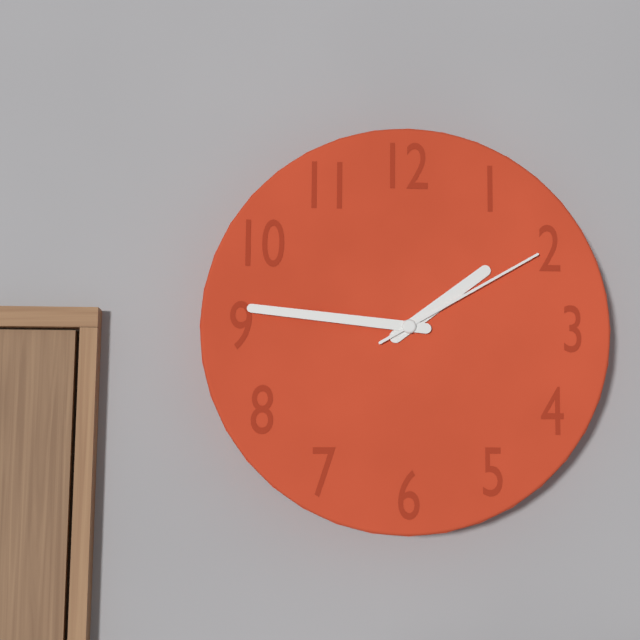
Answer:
1:46:10
